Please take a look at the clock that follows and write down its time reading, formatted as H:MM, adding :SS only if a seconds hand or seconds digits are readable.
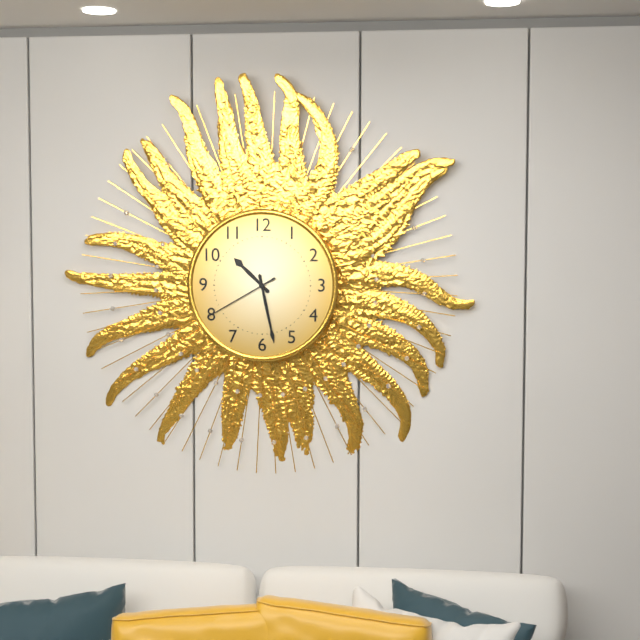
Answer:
10:28:40
